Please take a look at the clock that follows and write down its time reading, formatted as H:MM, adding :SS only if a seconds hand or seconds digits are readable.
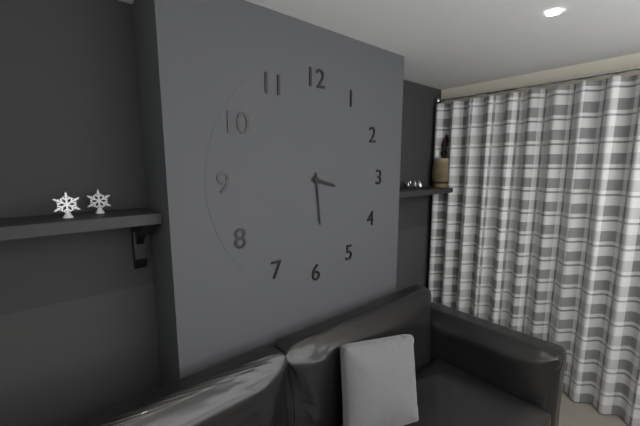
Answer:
3:29
